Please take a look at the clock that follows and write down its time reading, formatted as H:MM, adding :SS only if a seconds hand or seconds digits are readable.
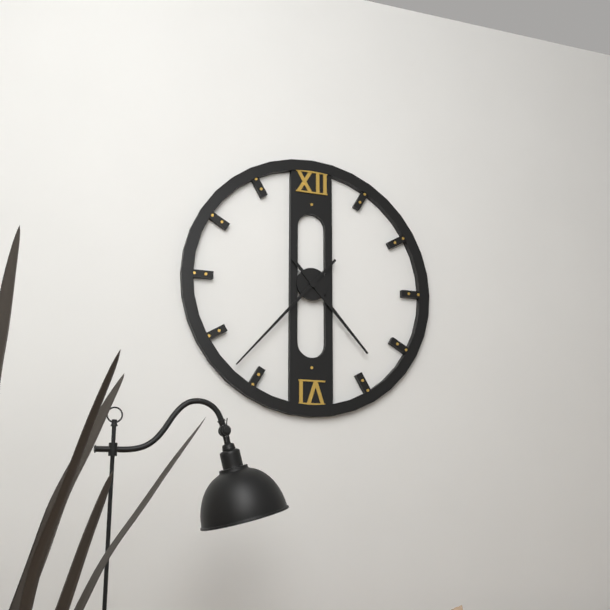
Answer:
4:37
